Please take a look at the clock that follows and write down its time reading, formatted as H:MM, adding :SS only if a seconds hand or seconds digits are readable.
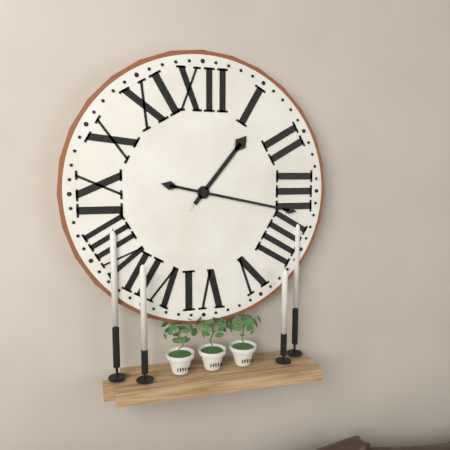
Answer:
1:17
